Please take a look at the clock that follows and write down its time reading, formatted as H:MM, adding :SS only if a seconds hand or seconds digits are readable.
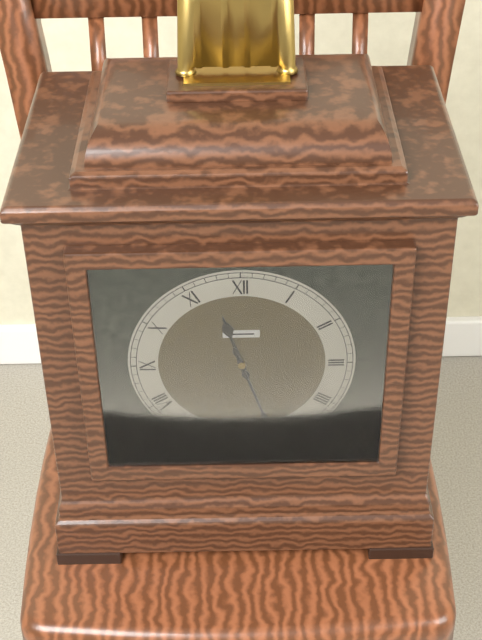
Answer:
11:27
